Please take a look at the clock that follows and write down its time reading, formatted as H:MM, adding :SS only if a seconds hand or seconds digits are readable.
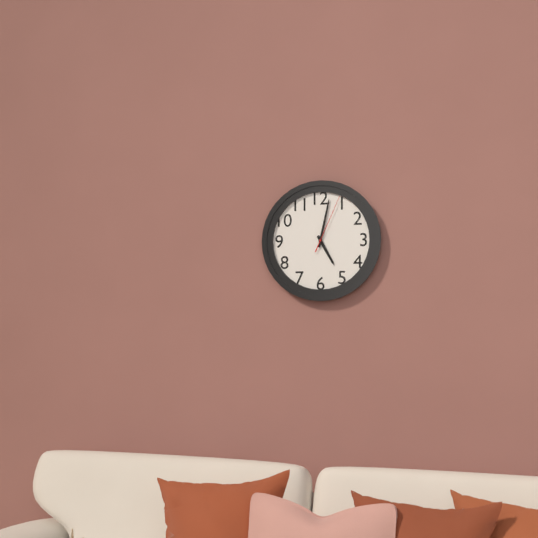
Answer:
5:02:04
